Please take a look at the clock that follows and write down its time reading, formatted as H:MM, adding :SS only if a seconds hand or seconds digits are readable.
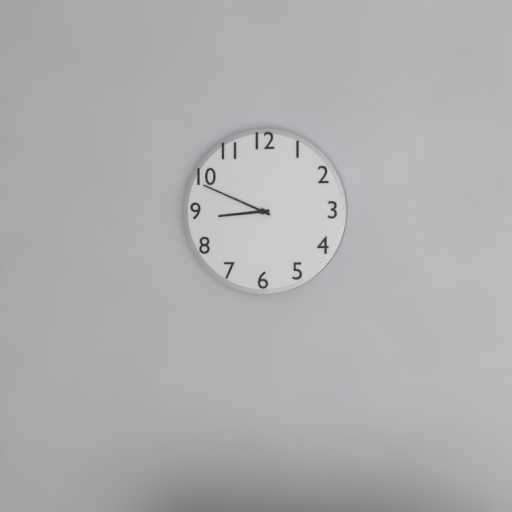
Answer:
8:49
